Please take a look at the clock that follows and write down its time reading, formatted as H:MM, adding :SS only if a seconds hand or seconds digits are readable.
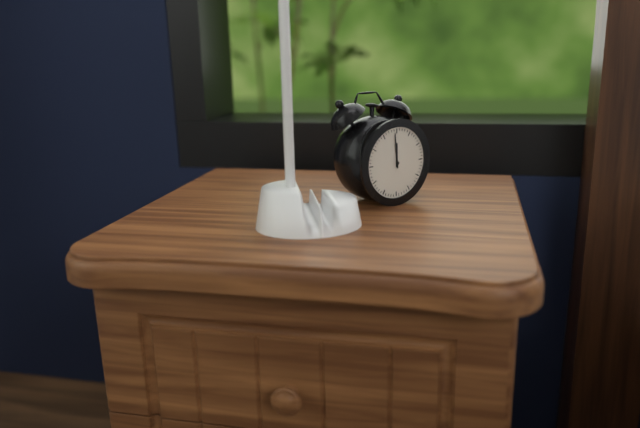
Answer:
11:59
